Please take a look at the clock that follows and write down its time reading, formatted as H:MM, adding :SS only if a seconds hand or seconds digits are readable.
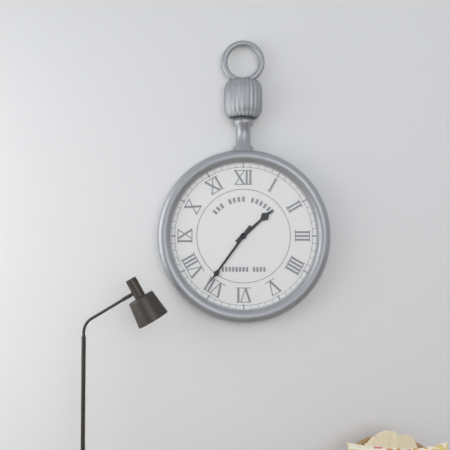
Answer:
1:36
